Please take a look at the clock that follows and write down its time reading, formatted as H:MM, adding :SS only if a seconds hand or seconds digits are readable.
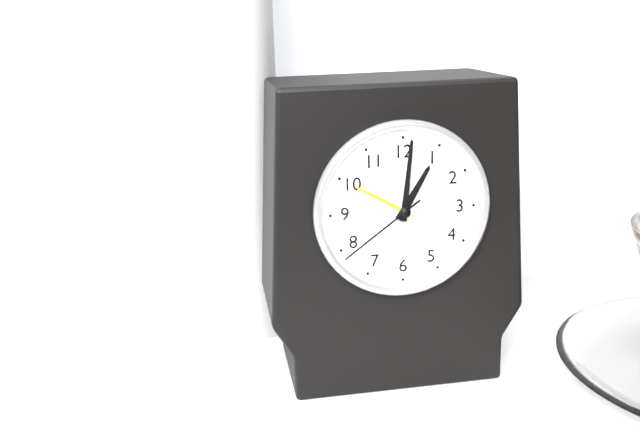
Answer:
1:01:39
